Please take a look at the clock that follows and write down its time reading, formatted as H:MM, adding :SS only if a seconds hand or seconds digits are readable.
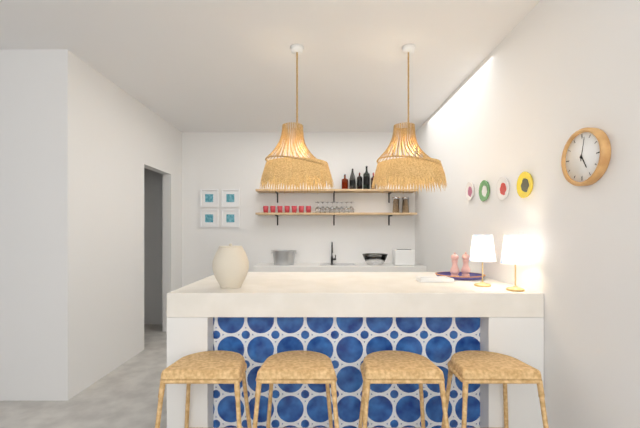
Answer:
5:02
